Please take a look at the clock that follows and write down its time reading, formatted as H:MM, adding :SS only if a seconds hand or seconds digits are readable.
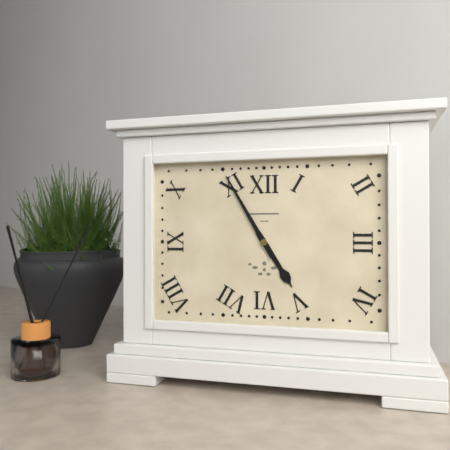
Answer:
4:55
